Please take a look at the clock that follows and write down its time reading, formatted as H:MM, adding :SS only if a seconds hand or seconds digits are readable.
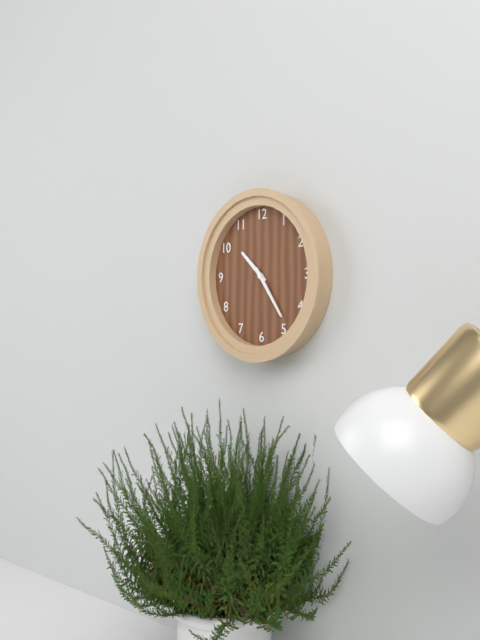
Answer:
10:24
